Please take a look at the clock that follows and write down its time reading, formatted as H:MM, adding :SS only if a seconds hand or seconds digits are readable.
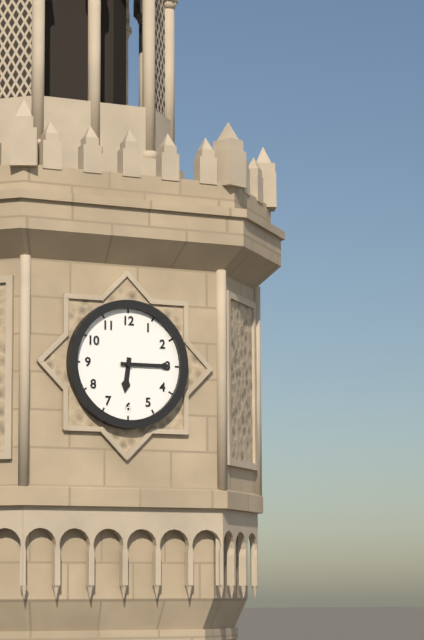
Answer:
6:15
